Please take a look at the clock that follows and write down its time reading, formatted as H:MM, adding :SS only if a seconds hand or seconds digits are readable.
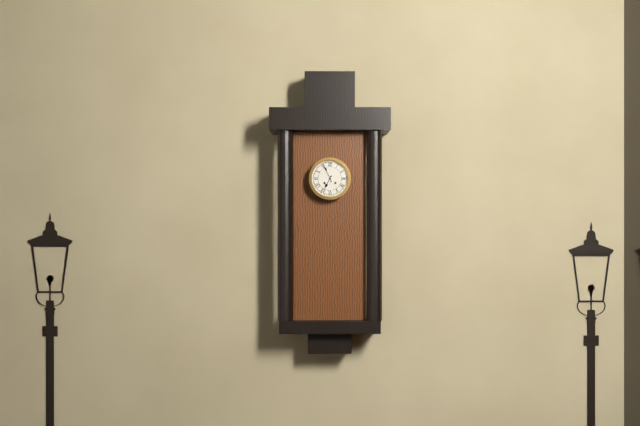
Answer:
6:56
